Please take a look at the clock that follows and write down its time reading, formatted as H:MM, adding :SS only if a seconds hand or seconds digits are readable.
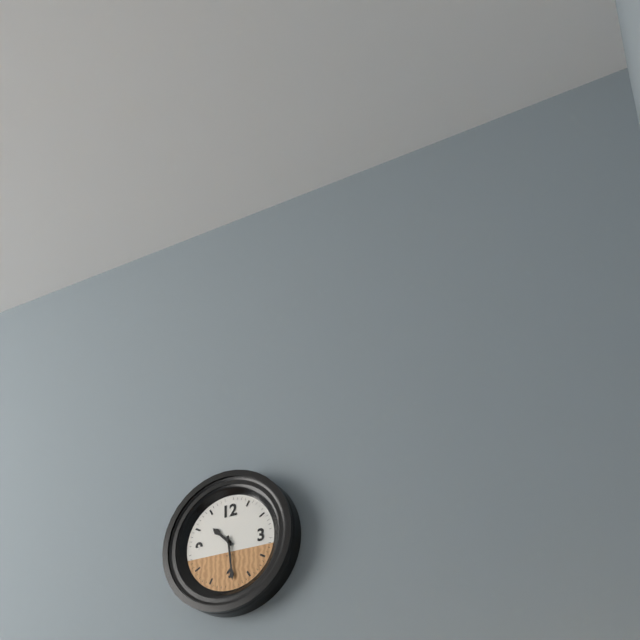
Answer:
10:29
